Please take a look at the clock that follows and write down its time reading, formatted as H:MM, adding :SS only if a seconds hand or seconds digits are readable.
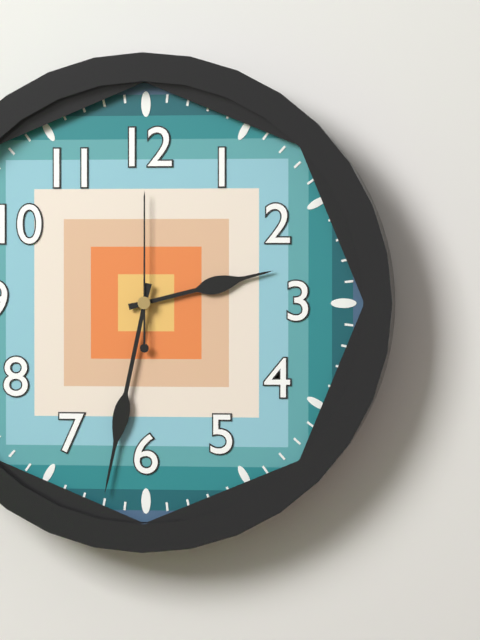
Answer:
2:32:00
